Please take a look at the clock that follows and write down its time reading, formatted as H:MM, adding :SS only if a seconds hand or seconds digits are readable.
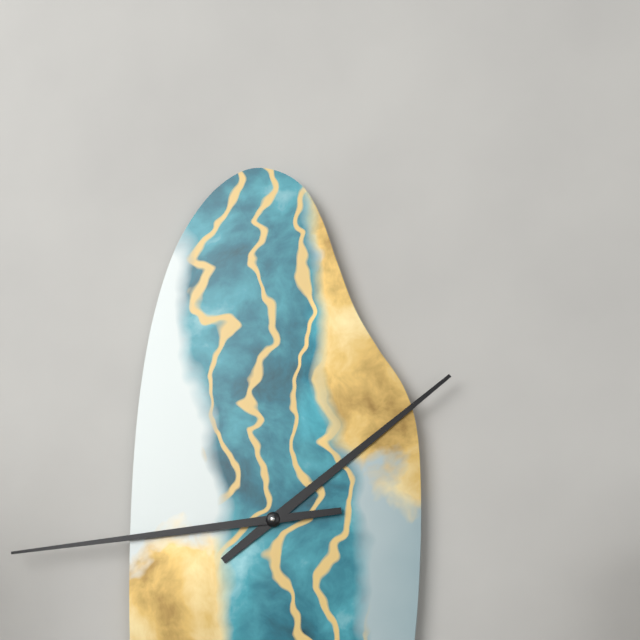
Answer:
1:44
